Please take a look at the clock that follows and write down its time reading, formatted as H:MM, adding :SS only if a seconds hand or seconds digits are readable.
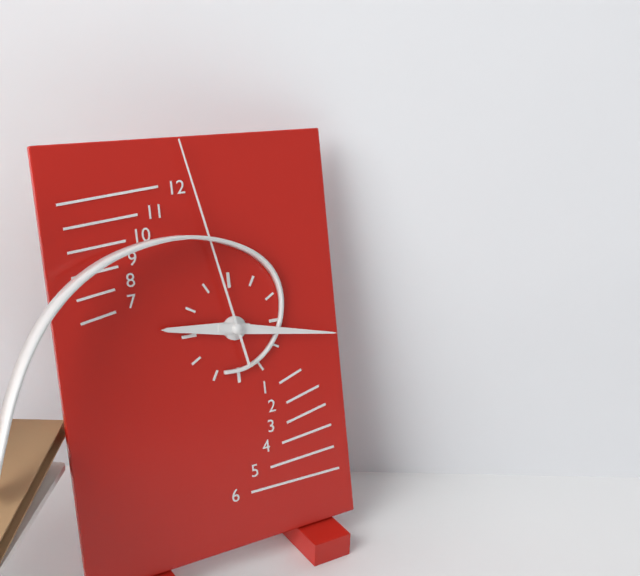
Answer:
9:17:58
